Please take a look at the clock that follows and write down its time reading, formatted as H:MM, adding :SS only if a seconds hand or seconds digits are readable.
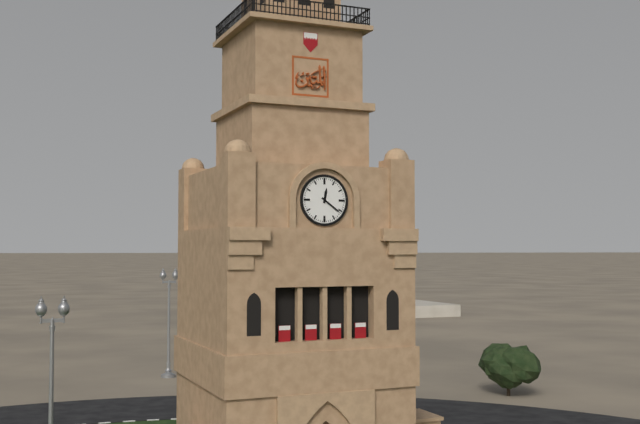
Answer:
12:21
